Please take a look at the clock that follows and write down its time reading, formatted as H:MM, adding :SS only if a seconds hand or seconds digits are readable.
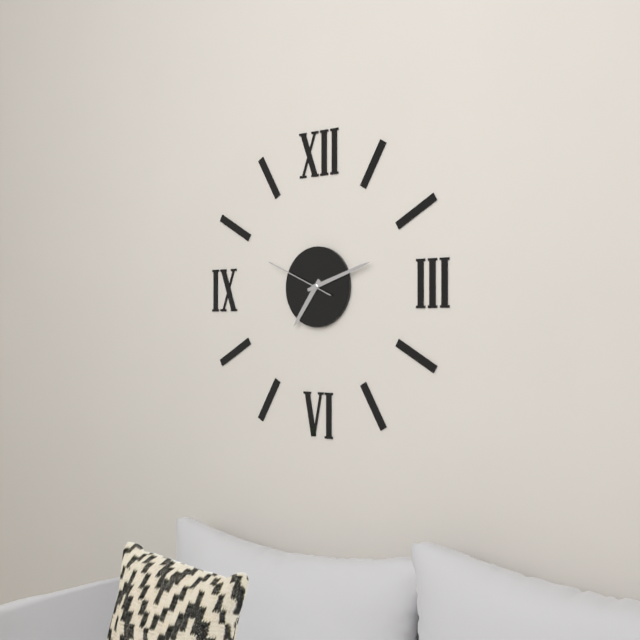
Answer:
7:12:49
